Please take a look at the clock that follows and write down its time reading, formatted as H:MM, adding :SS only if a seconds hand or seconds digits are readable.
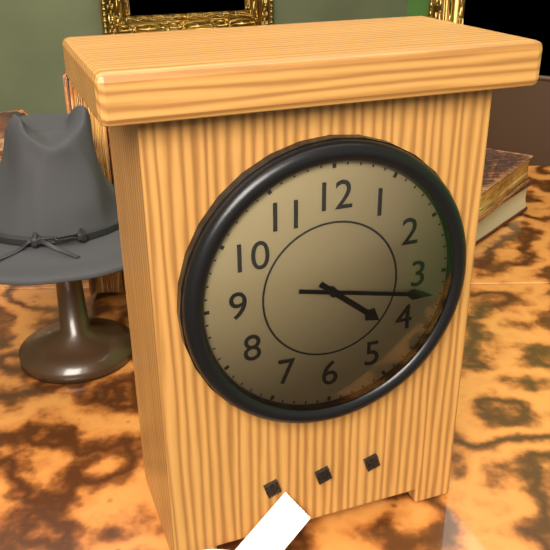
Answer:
4:17
